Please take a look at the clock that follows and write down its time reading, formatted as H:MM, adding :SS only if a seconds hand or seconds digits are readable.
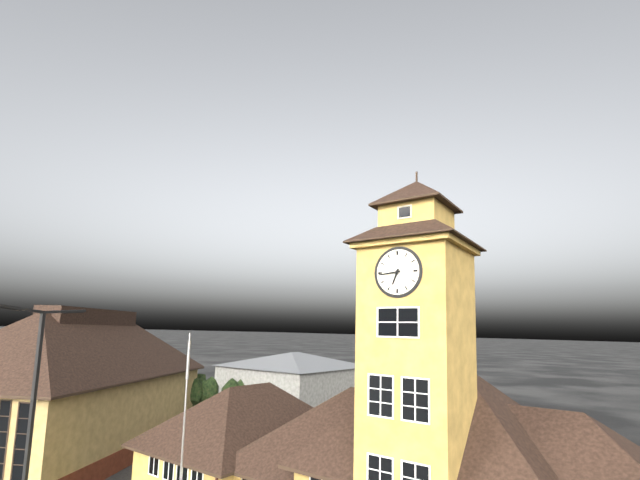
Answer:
6:44
